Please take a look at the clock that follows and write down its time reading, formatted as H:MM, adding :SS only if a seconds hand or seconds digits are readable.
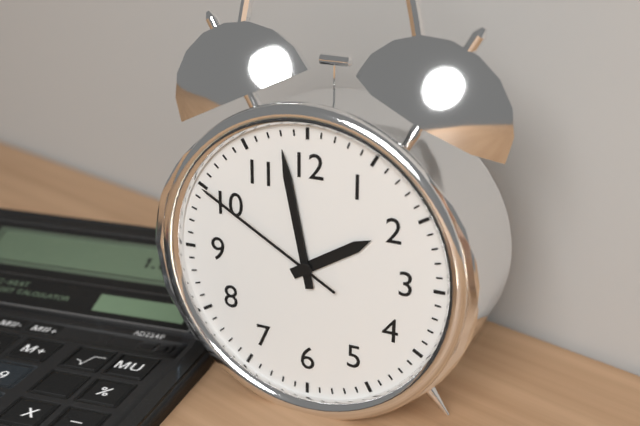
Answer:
1:58:50
